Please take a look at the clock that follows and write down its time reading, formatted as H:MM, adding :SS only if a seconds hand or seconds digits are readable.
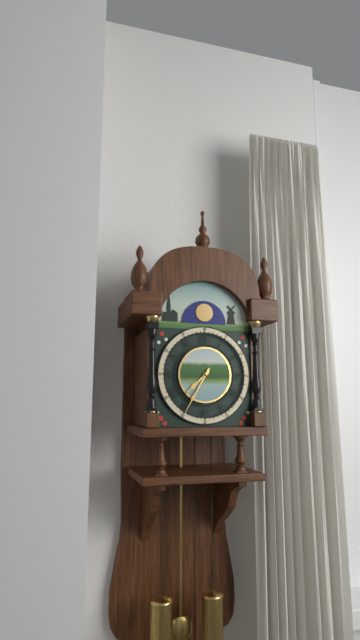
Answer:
7:35
